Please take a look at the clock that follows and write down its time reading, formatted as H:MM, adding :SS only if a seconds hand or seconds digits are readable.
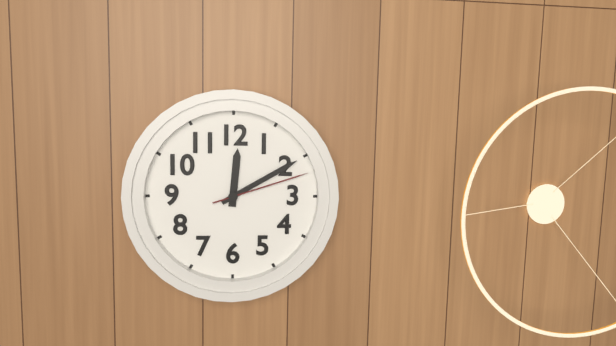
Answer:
12:10:12
